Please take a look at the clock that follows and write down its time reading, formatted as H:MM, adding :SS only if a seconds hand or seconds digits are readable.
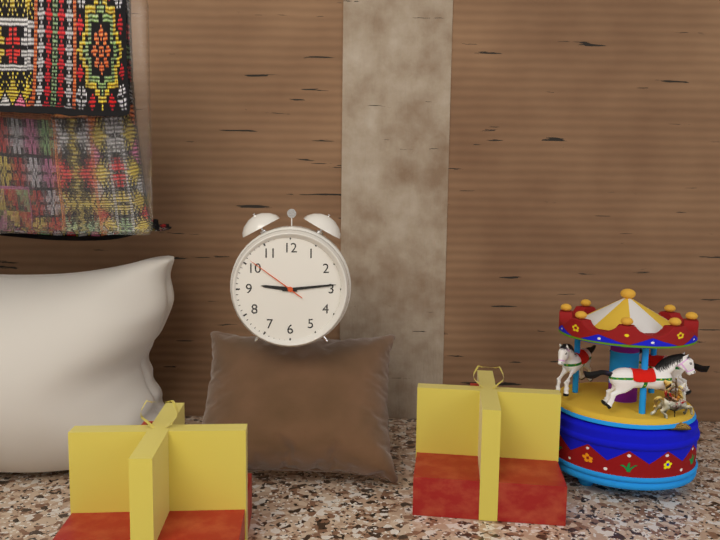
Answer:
9:14:51
